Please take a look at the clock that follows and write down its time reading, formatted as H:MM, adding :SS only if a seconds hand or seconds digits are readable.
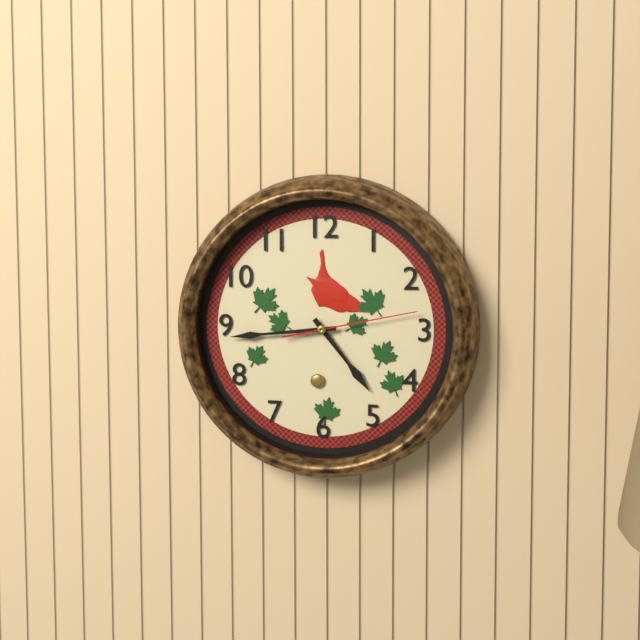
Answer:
4:44:13
